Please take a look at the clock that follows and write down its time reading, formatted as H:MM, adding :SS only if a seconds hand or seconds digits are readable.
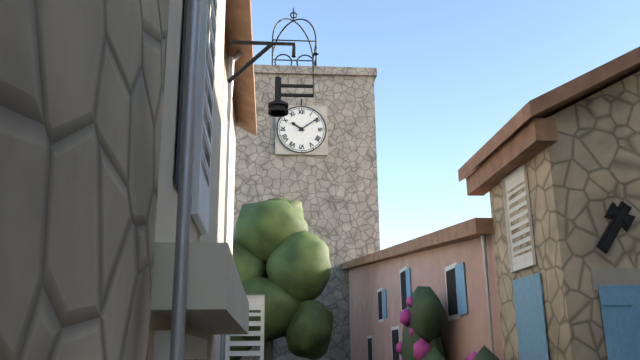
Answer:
10:09
